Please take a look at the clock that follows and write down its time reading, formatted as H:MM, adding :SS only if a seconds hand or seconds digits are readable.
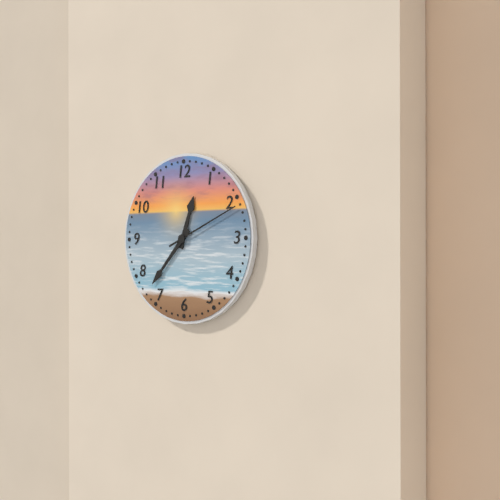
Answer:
12:37:11
